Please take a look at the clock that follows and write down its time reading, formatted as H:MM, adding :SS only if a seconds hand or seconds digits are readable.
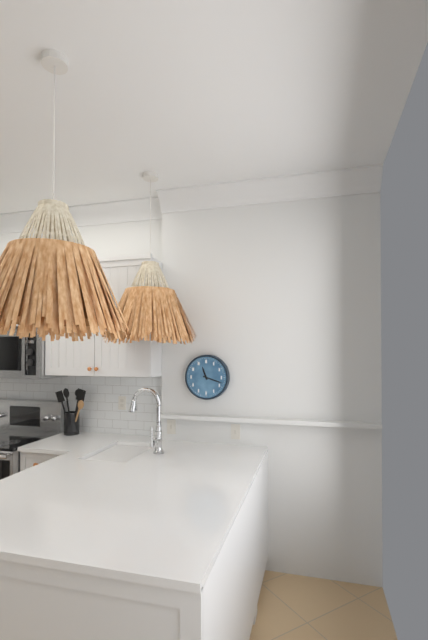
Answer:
11:18
